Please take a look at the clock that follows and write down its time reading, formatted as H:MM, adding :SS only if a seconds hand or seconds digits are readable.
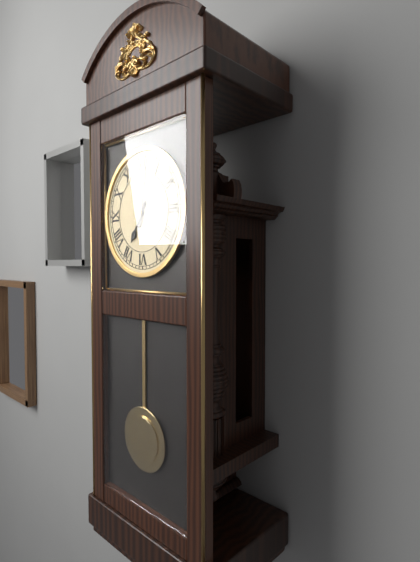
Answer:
7:02
